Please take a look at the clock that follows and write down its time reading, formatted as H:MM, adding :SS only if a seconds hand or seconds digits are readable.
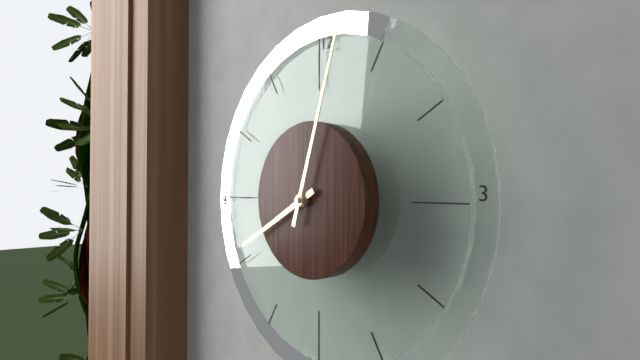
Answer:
8:03
